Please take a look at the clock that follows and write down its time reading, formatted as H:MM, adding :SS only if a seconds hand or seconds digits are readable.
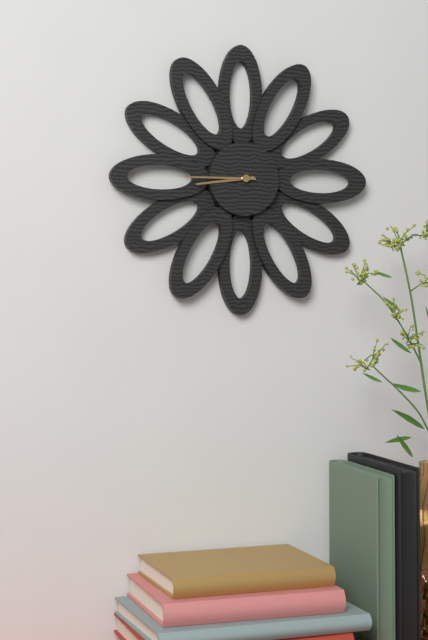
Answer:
8:45
